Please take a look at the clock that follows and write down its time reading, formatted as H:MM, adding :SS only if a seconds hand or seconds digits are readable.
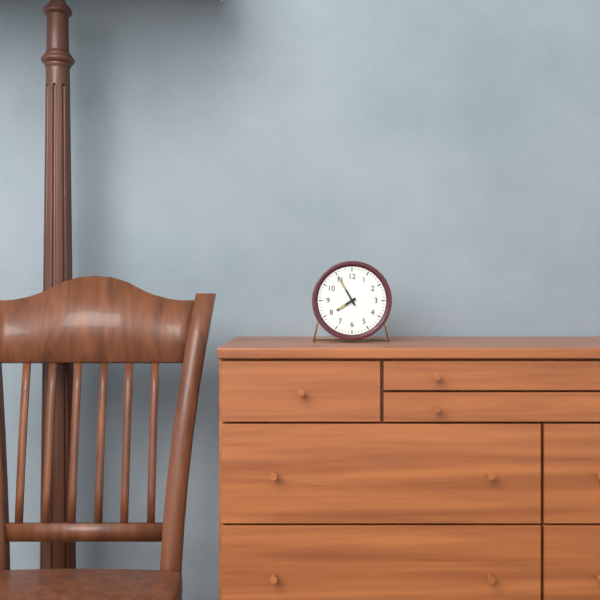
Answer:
7:55
